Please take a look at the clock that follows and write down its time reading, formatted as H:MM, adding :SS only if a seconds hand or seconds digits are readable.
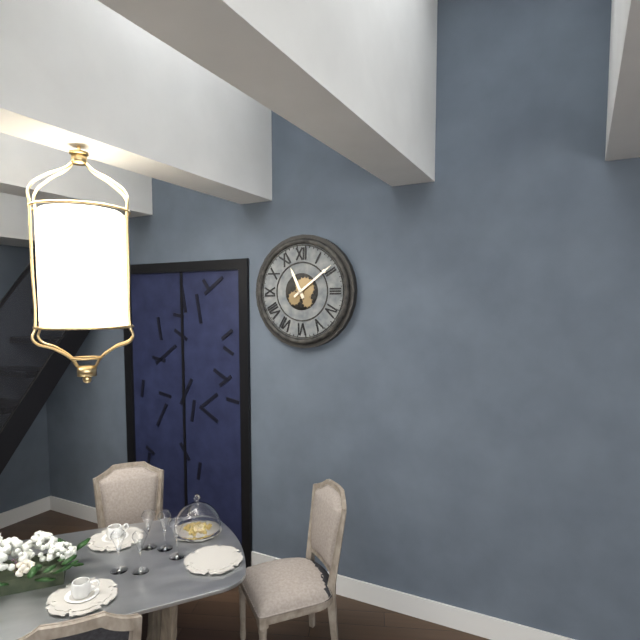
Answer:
11:09
